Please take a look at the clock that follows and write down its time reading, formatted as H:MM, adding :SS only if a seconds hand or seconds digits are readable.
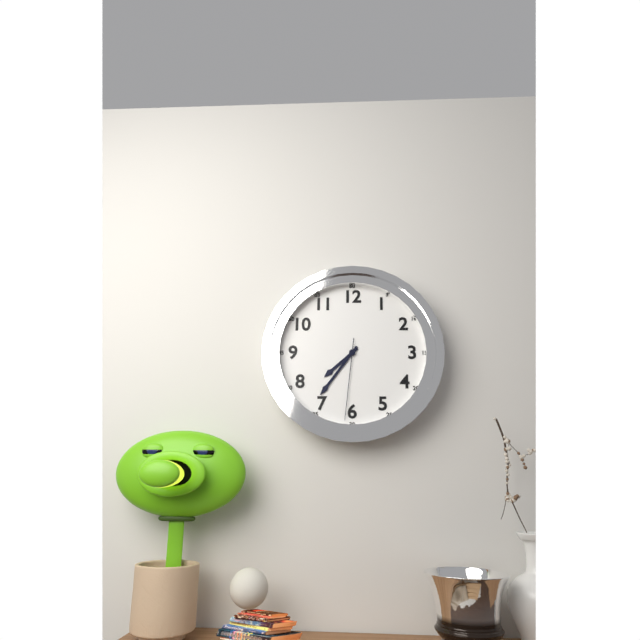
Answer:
7:36:31
